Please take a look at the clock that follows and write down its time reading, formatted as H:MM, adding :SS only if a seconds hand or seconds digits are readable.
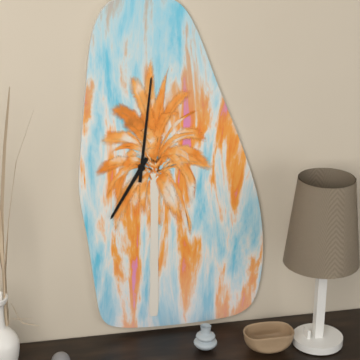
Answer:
7:01
